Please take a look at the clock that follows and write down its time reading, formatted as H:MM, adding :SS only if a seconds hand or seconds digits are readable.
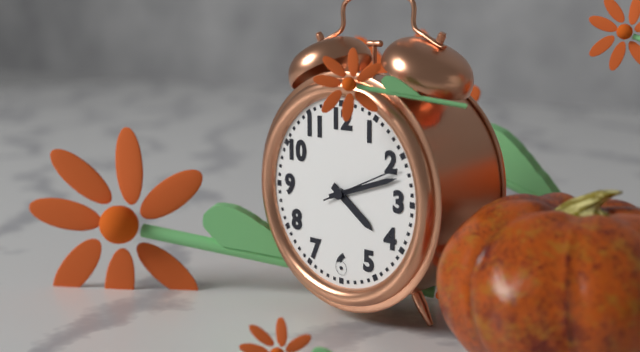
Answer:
4:12:11
